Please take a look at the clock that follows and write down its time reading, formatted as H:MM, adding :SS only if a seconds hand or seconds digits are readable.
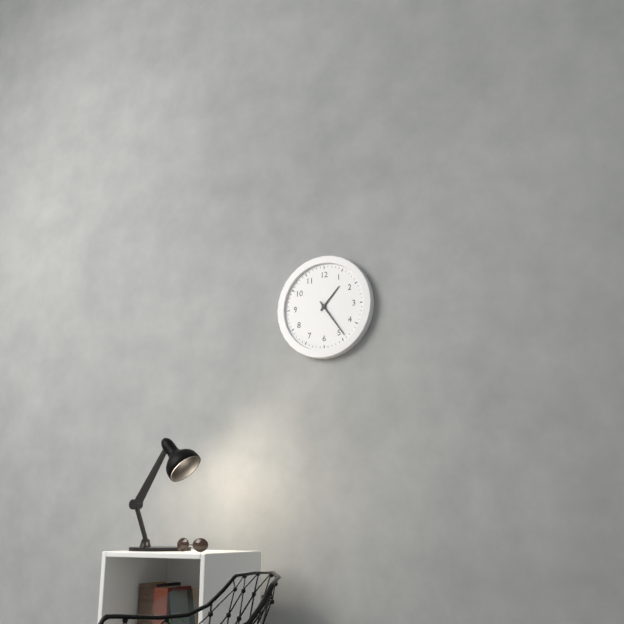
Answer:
1:24
